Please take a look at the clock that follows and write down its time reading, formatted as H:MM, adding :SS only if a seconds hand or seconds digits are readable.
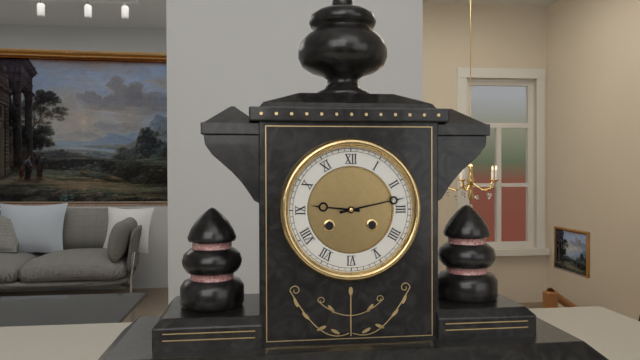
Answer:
9:13
